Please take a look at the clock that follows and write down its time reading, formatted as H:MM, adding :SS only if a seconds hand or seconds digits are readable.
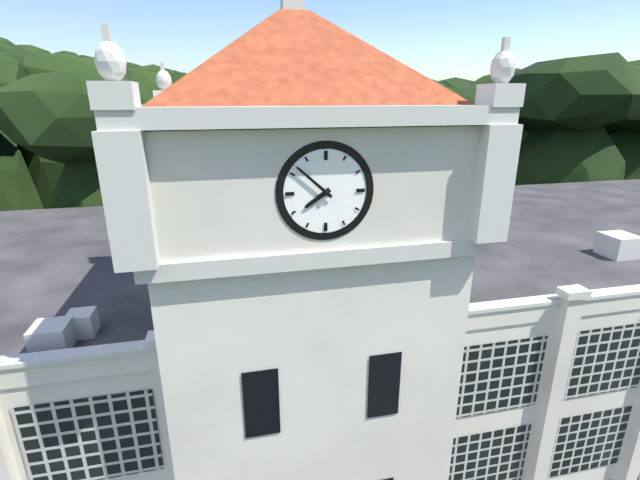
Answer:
7:52
